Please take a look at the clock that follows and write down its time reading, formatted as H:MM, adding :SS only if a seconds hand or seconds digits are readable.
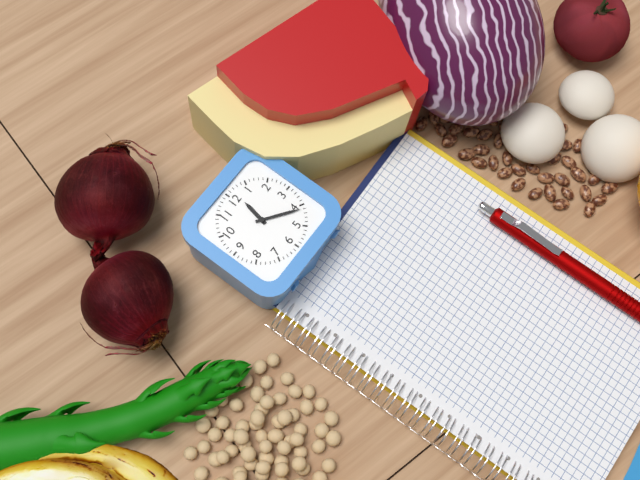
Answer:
12:21
